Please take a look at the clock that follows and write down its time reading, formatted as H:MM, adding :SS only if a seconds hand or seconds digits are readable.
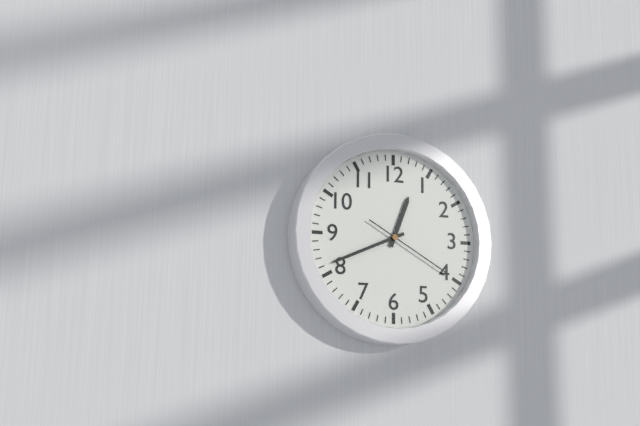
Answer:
12:41:20
